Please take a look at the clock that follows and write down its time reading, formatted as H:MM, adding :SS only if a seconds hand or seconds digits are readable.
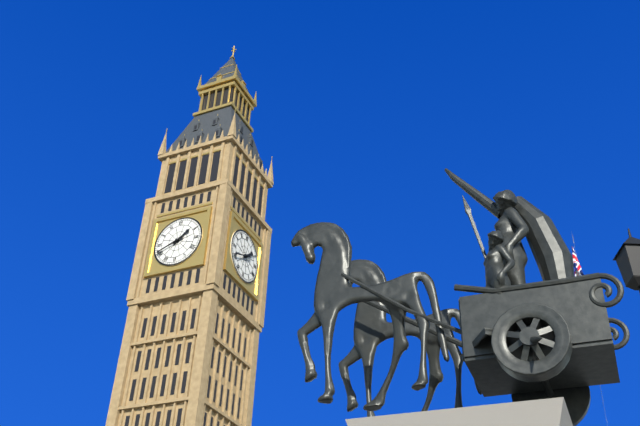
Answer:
1:41
